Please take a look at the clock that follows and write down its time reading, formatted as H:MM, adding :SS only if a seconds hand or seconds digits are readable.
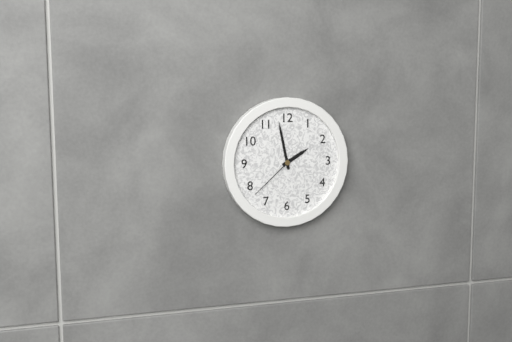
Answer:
1:58:38
